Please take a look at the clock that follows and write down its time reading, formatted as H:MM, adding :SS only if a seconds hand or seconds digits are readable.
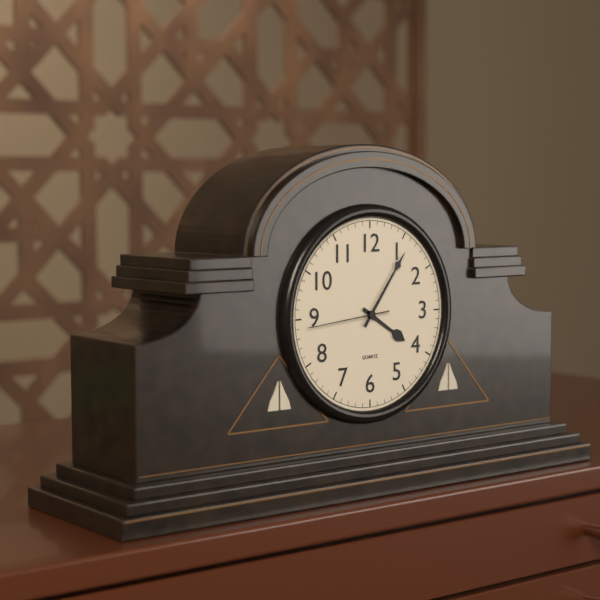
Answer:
4:06:44
